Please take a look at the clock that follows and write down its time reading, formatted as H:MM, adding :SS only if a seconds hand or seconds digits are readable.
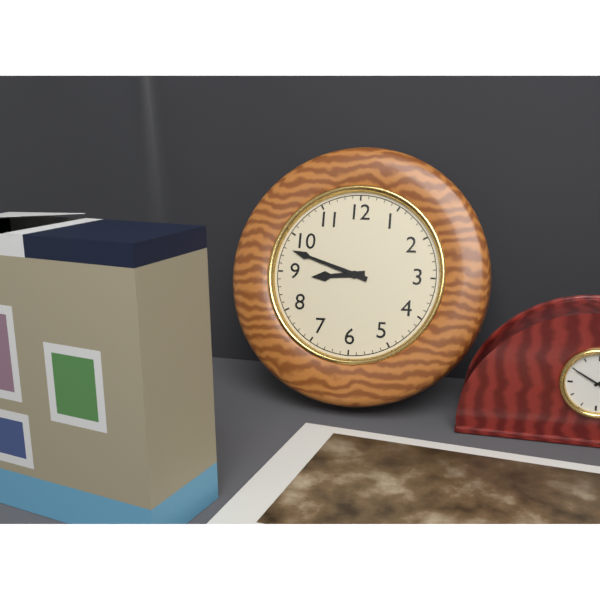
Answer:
8:48
